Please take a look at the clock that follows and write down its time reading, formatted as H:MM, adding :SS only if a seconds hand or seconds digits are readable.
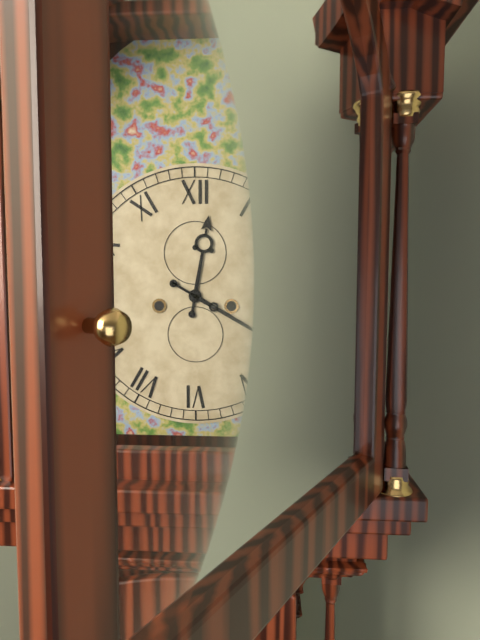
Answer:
12:20
